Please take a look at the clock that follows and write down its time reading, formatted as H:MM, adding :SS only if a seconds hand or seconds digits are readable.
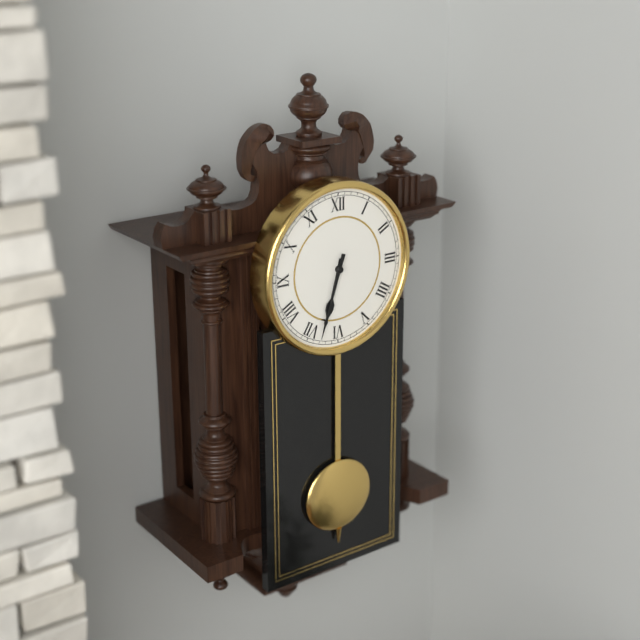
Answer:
6:33
